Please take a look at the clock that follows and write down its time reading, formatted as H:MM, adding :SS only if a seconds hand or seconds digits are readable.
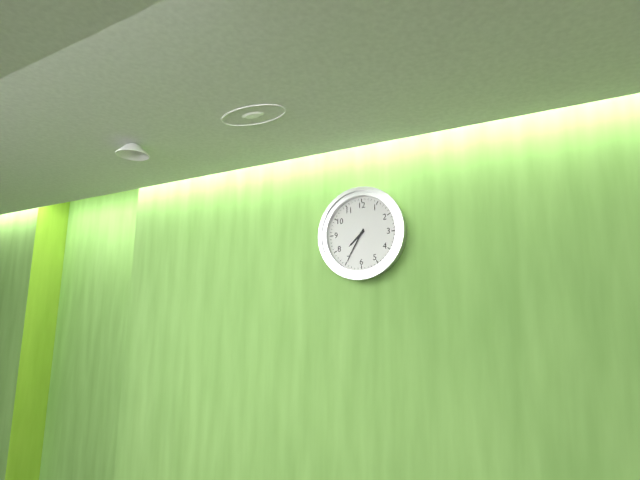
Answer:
7:35
